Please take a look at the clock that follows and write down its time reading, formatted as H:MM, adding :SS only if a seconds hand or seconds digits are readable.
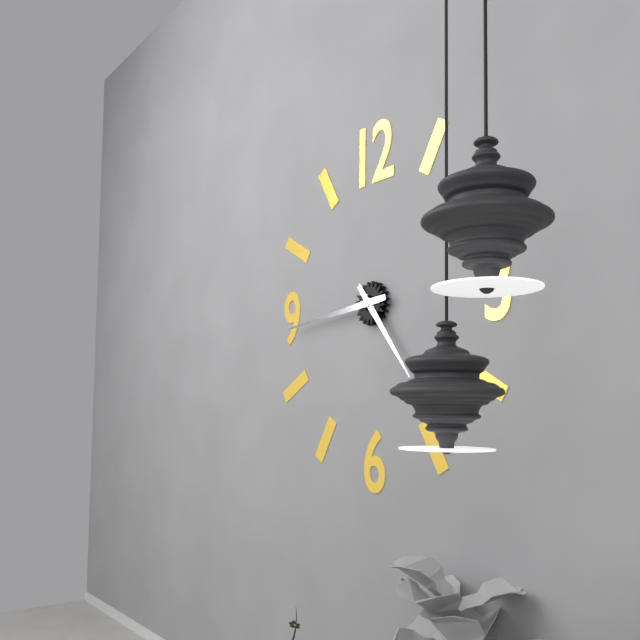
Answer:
4:44
